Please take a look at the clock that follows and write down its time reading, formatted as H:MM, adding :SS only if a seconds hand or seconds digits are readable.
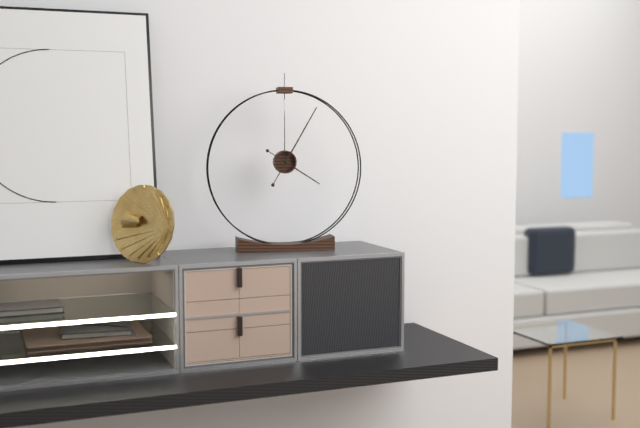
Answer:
4:05
